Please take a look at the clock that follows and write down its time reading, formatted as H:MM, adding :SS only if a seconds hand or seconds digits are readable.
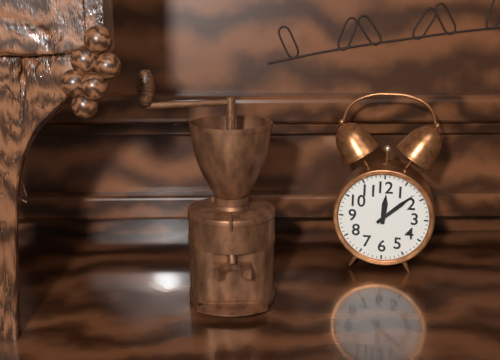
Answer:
12:08
